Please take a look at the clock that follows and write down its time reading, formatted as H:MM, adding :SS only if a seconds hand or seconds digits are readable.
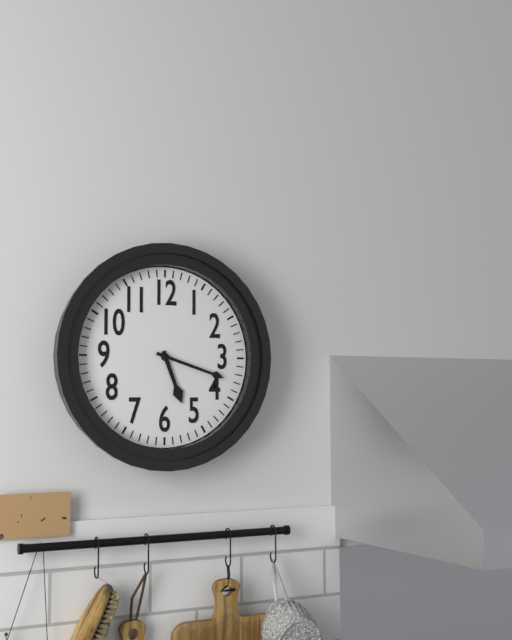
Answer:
5:18
